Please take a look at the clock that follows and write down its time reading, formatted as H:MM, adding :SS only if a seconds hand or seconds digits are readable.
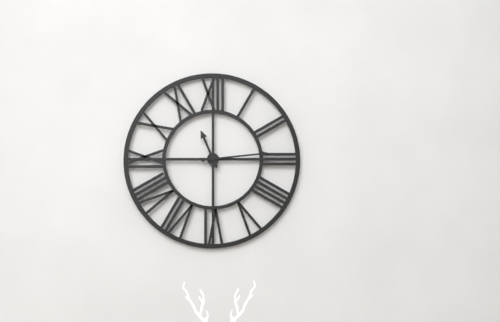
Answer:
11:14
